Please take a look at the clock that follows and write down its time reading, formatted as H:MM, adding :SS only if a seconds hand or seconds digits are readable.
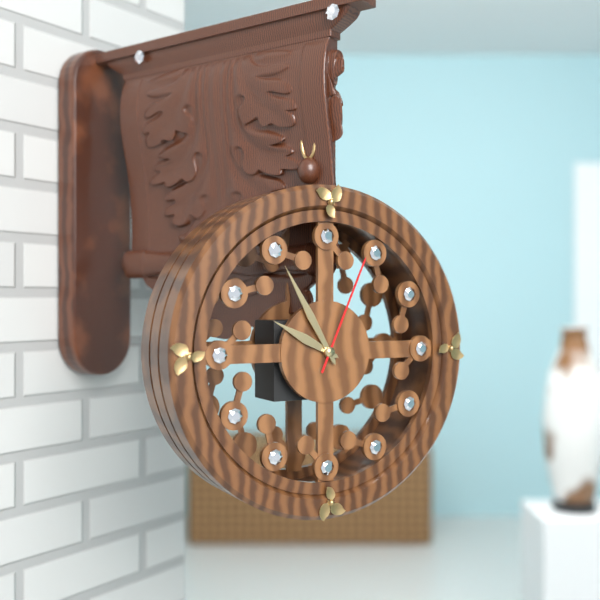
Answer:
9:55:04
